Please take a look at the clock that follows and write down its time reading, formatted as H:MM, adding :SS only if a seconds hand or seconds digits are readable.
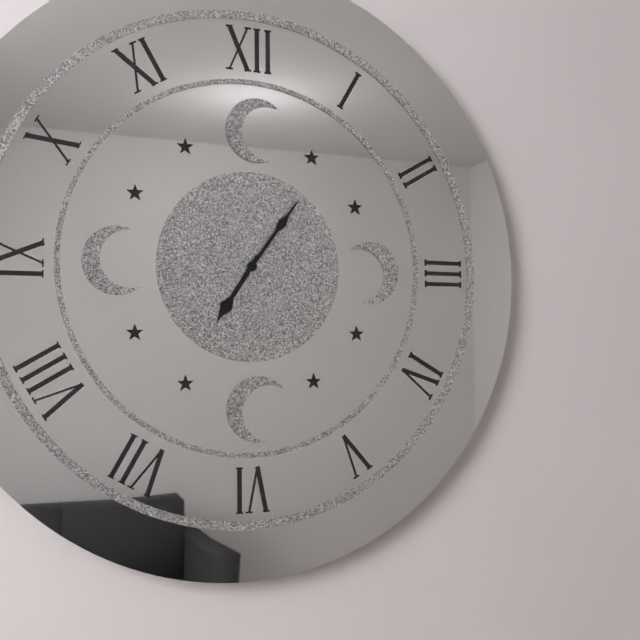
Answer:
7:06
